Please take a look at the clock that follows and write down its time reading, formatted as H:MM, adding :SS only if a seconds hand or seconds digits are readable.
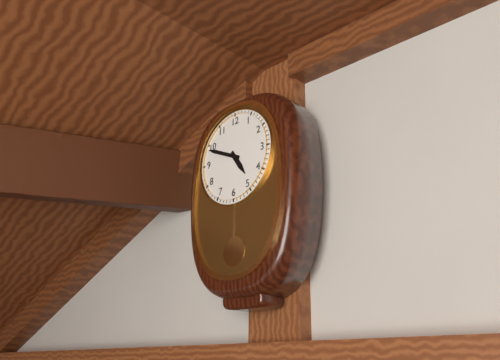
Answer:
4:49
